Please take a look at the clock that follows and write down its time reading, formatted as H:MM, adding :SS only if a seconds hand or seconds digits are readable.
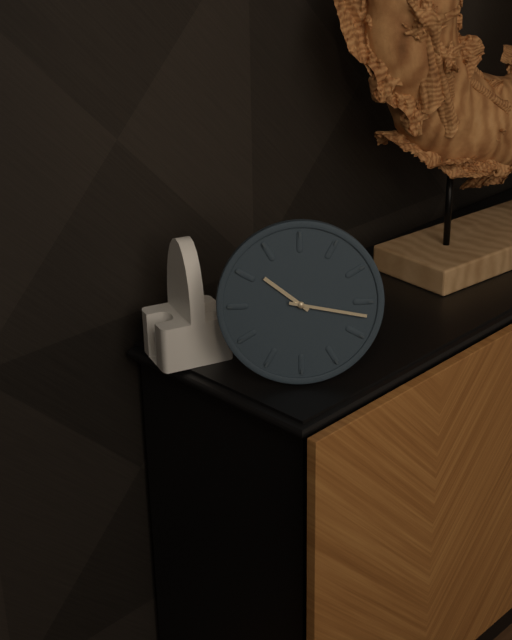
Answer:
10:17
